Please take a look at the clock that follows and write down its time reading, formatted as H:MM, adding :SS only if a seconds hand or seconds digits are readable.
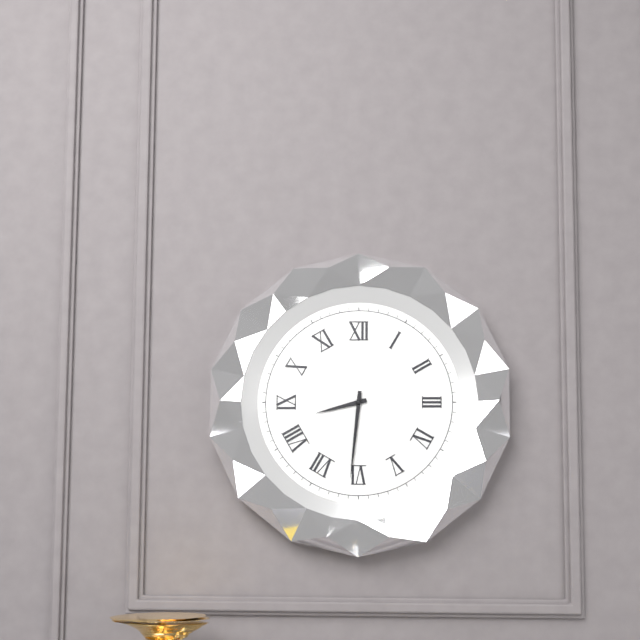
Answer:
8:31
